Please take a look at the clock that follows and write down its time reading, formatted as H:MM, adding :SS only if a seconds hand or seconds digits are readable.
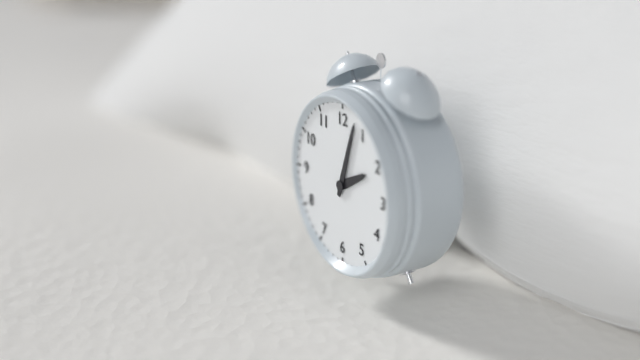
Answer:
2:03
